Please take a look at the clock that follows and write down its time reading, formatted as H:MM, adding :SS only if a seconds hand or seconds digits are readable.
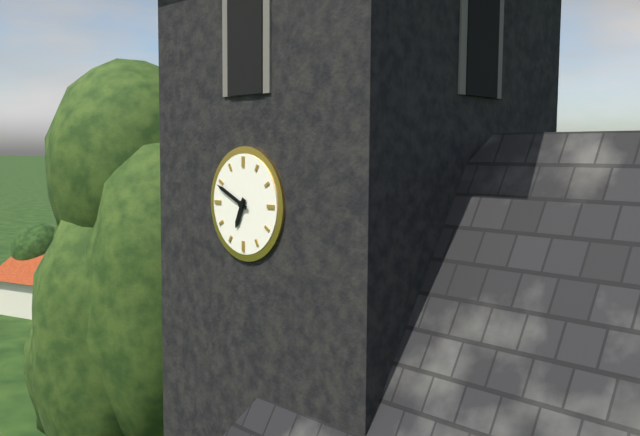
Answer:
6:49
